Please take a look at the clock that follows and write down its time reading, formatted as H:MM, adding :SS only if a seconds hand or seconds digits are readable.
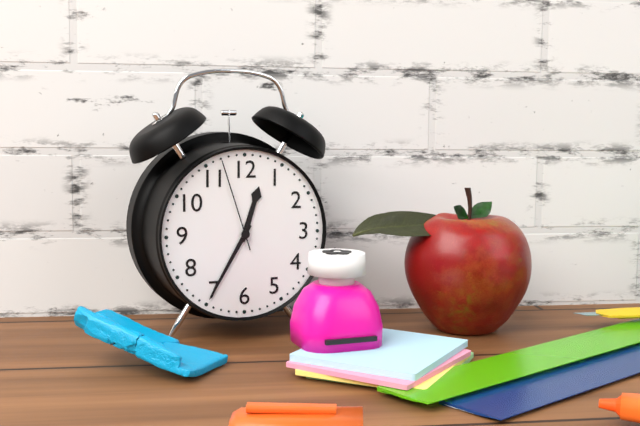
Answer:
12:35:57
